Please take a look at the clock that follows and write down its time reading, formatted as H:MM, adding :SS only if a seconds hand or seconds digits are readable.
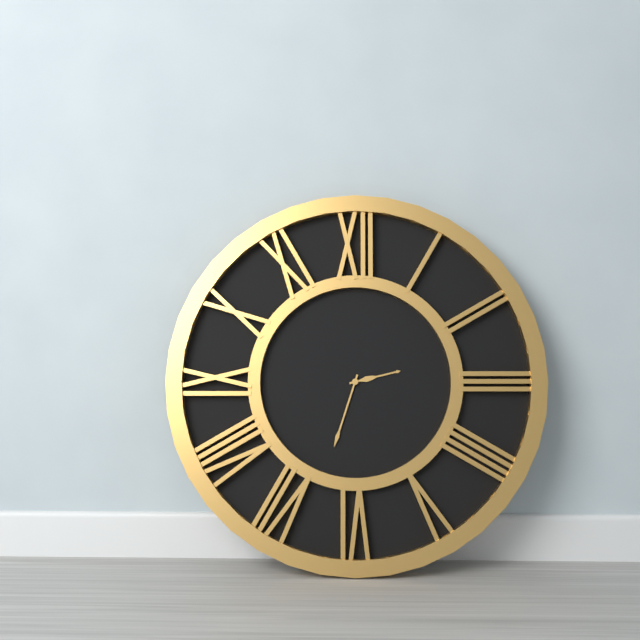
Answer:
2:33
